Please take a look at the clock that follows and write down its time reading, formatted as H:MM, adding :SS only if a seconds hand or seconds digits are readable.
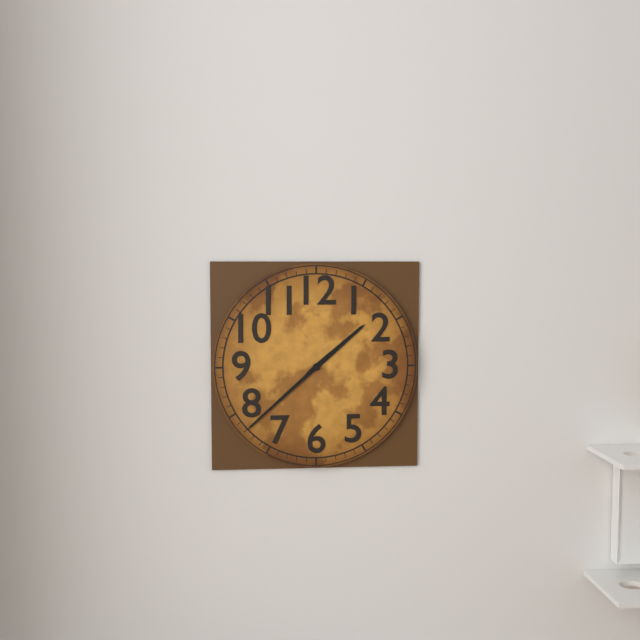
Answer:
1:38
